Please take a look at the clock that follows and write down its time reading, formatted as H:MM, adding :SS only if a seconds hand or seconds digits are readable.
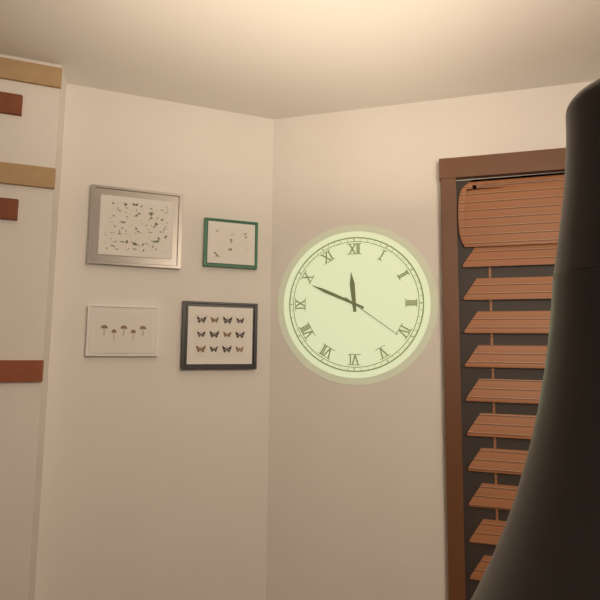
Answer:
11:49:21
